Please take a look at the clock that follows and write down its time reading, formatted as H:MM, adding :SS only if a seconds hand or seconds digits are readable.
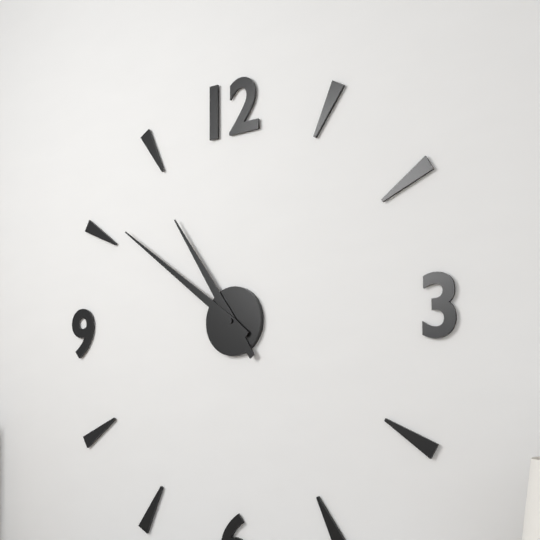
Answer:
10:51
